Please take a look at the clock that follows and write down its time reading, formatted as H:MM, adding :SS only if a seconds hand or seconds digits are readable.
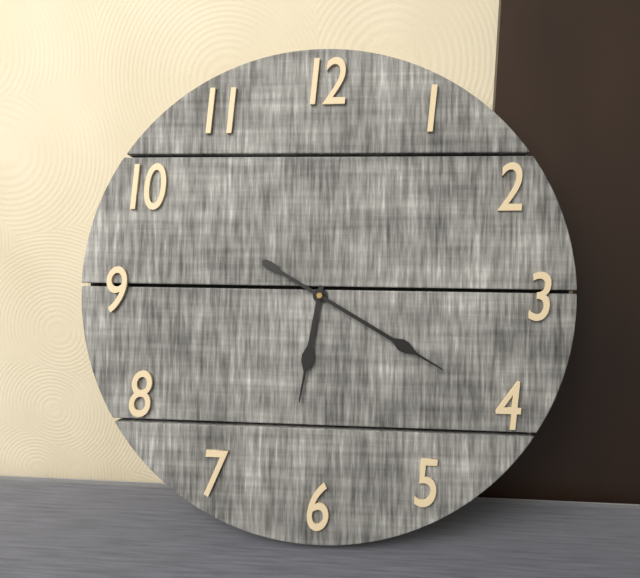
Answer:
6:20
